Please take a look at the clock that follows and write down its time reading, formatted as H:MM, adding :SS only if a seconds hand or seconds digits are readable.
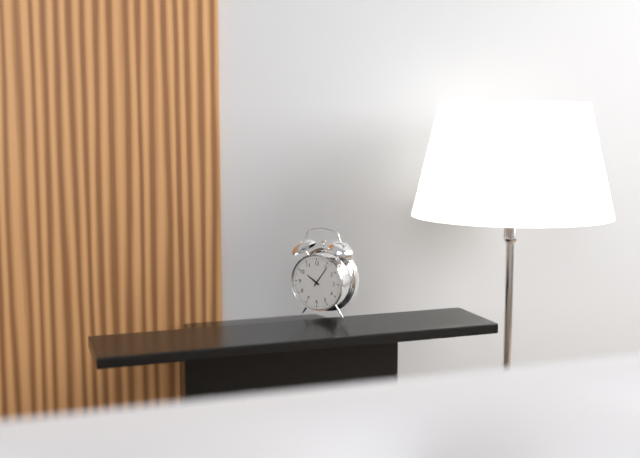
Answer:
10:06
